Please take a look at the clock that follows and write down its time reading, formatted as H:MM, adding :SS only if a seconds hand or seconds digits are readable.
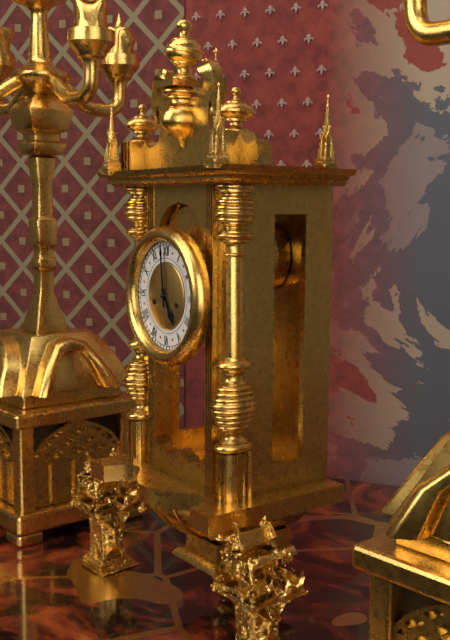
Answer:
4:59
